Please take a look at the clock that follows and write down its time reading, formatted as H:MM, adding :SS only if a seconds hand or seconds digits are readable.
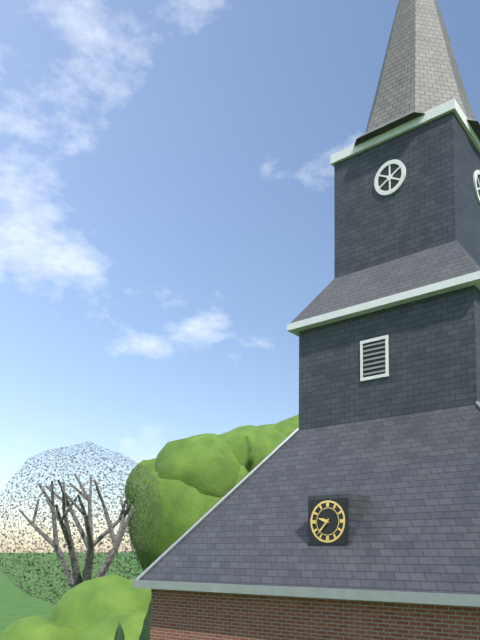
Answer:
9:37
